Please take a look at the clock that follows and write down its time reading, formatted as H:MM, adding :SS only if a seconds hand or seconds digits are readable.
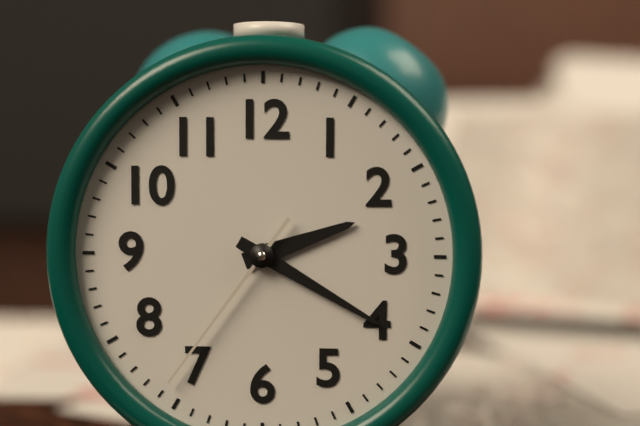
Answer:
2:20:36
